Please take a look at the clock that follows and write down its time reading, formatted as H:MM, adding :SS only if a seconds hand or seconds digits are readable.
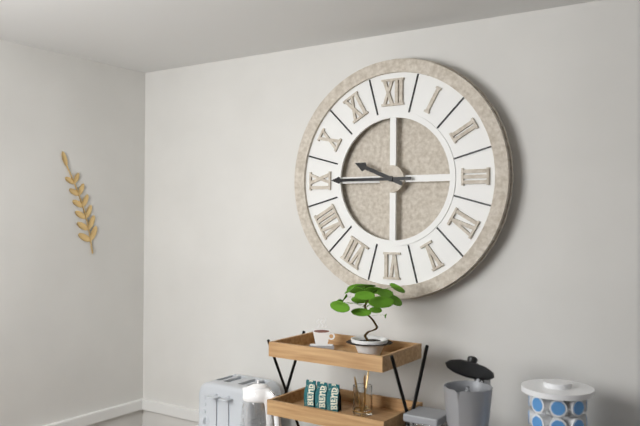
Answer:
9:45
